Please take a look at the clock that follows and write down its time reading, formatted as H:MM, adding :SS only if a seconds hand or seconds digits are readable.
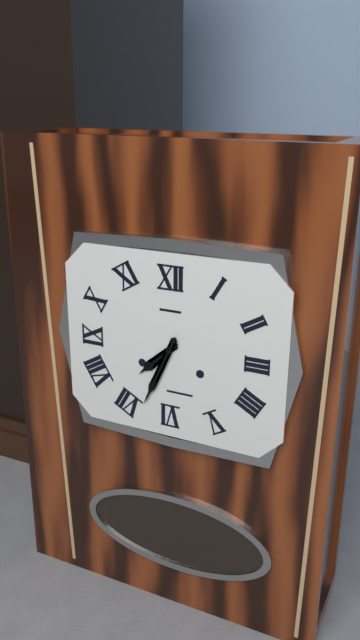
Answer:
7:34
